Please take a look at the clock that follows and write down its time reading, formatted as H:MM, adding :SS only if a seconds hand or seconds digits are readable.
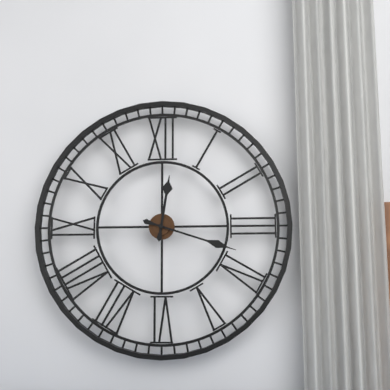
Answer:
12:18
